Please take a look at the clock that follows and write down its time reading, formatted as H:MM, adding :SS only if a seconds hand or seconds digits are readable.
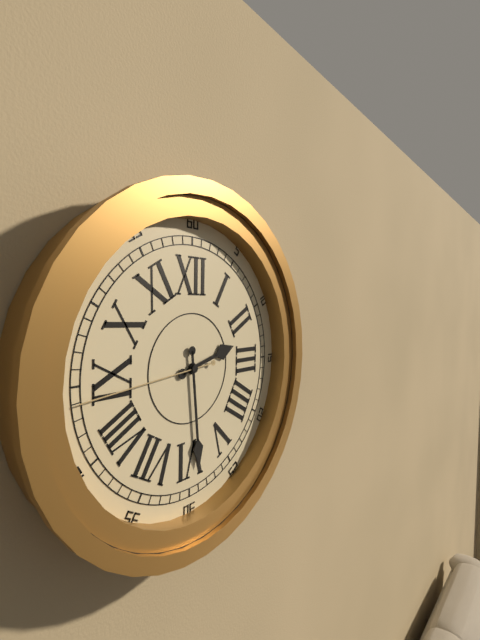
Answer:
2:29:44
